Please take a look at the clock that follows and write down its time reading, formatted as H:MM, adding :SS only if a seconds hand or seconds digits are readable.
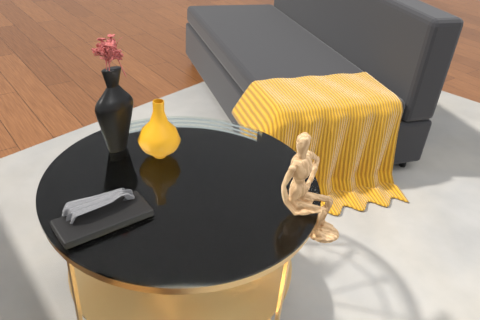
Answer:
10:43
